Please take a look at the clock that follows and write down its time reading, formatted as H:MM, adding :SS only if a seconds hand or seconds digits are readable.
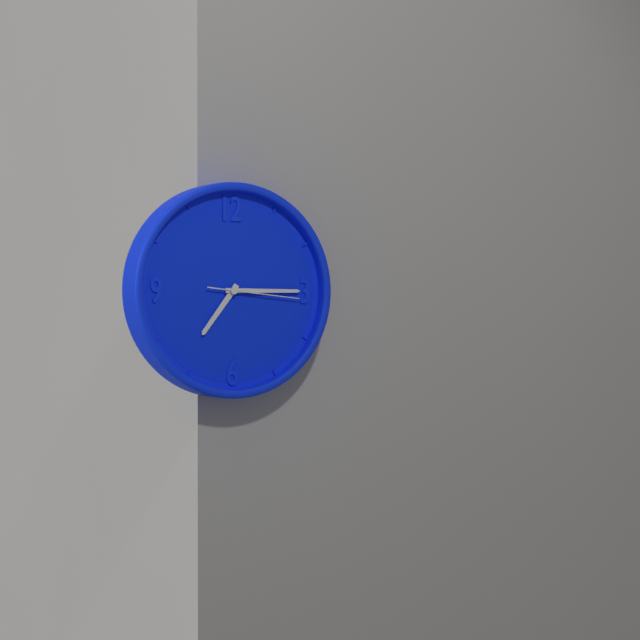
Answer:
7:15:16
